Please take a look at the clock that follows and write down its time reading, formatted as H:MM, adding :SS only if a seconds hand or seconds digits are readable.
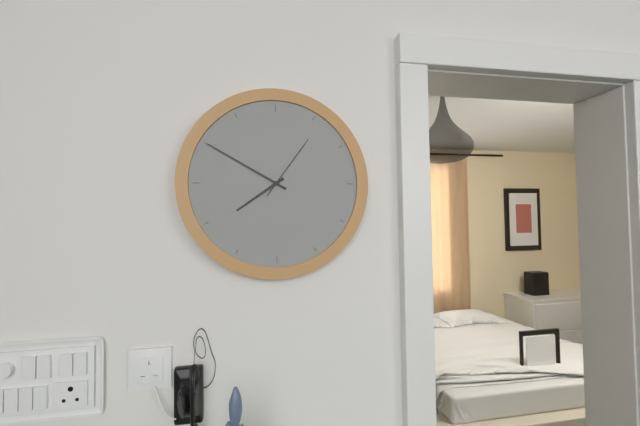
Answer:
7:50:06
